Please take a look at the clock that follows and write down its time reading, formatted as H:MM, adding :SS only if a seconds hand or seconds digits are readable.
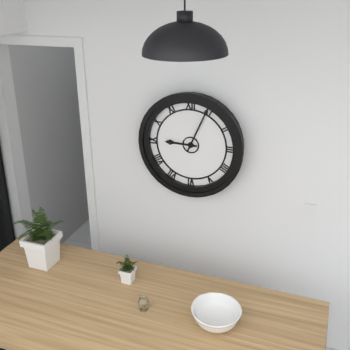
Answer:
9:04
